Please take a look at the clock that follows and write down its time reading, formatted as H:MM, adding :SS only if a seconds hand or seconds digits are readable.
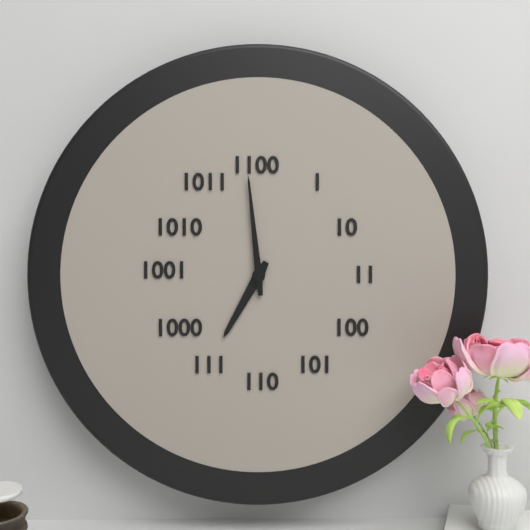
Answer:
6:59
